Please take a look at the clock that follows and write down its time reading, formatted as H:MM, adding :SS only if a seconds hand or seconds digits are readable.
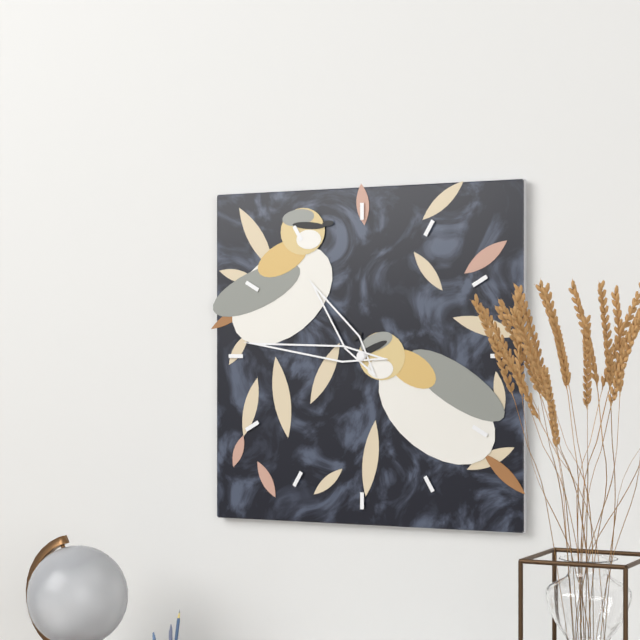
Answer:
10:46
